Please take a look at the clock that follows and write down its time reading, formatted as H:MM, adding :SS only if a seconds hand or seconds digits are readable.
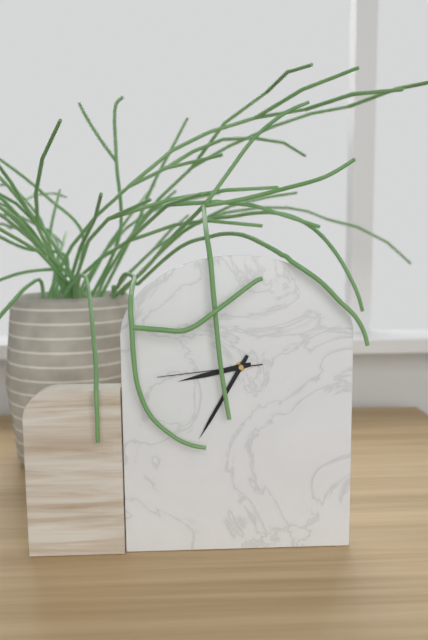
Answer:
8:35:44
